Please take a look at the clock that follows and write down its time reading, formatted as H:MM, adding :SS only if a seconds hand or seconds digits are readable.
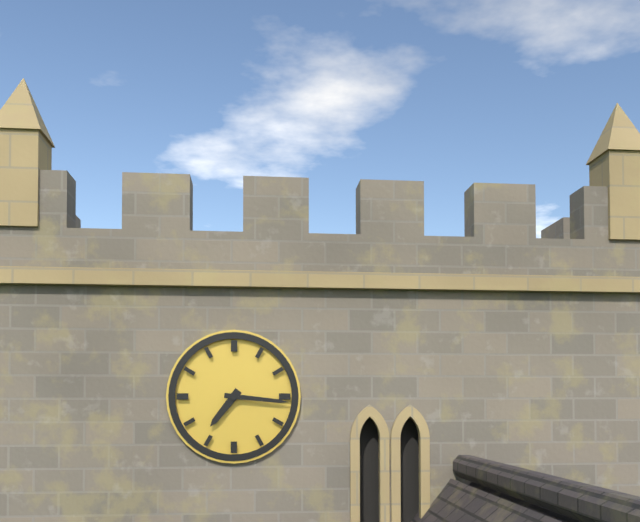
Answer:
7:16
